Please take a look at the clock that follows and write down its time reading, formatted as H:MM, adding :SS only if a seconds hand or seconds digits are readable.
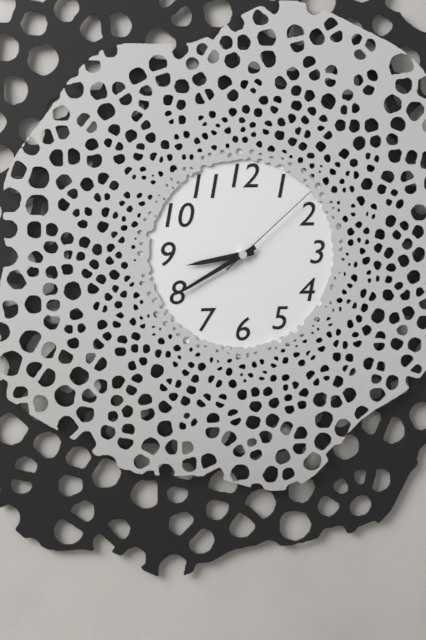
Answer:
8:40:08
